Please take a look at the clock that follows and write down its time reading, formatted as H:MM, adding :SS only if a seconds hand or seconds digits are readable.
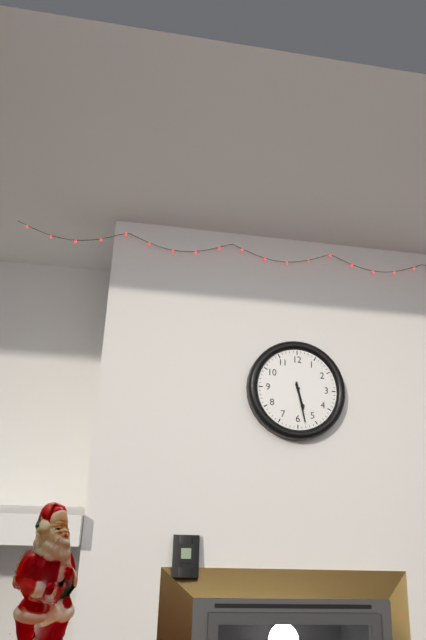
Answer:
5:28
